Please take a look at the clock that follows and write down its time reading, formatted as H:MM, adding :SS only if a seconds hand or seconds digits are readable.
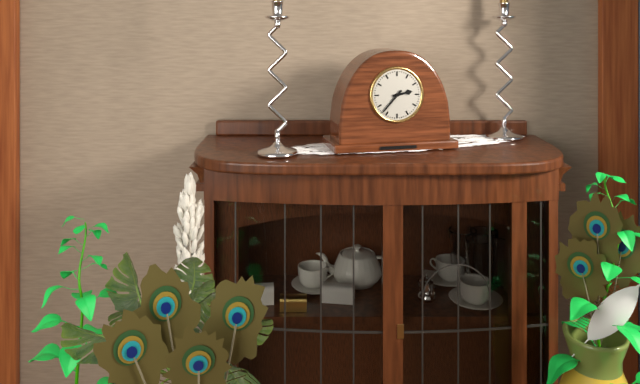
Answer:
2:37
